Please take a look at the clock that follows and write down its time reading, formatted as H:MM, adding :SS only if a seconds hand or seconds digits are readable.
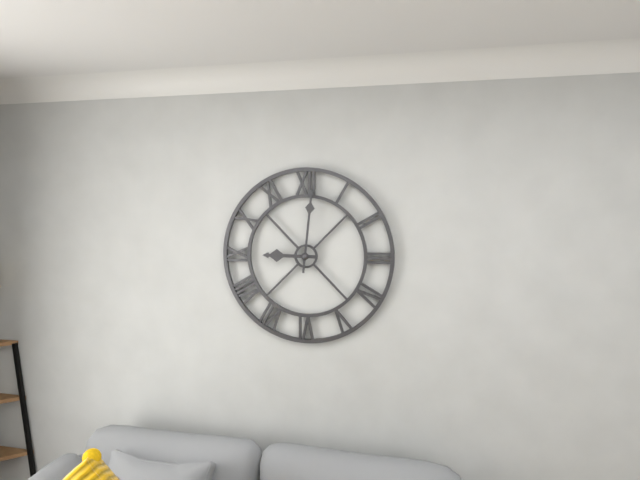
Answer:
9:01
